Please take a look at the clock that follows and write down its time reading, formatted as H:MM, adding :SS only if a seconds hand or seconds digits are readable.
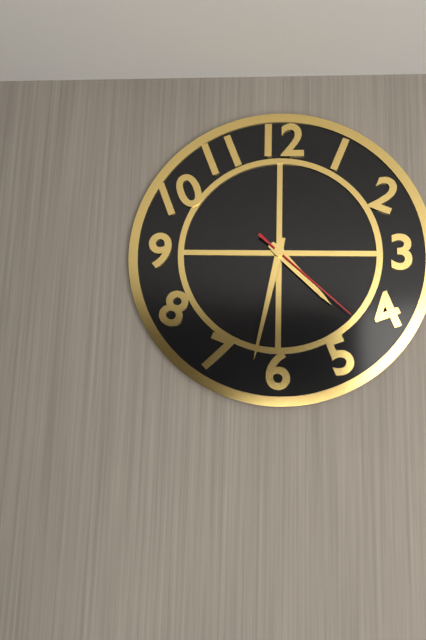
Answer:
4:32:22
